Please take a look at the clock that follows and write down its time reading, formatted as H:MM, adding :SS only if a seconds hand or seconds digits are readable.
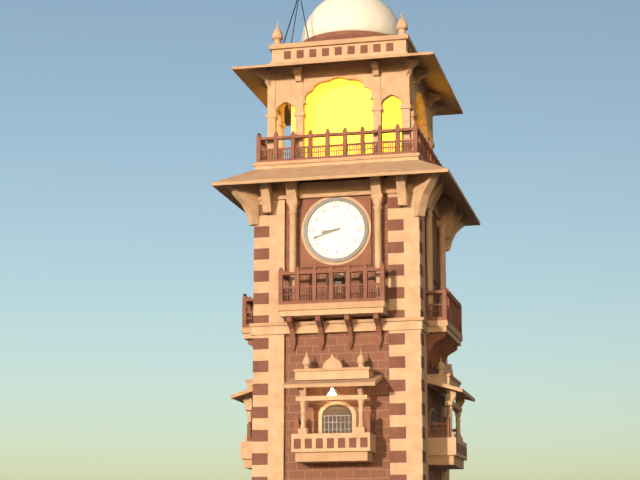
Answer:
8:42
